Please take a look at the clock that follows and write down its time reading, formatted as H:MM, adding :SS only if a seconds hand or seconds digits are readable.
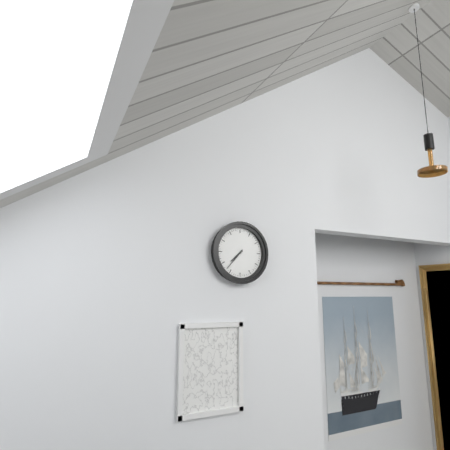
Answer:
7:37
